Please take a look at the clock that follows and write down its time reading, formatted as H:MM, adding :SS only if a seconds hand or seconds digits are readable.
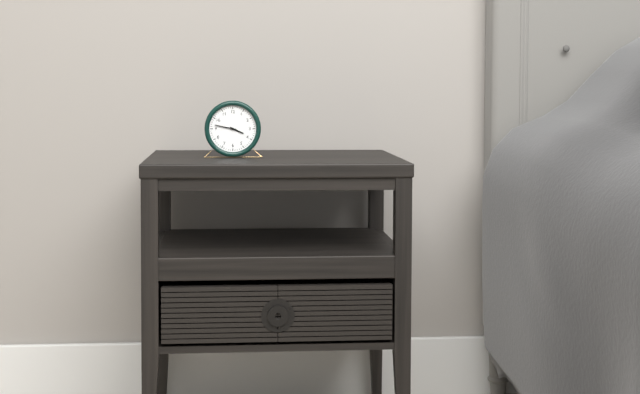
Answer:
3:47
